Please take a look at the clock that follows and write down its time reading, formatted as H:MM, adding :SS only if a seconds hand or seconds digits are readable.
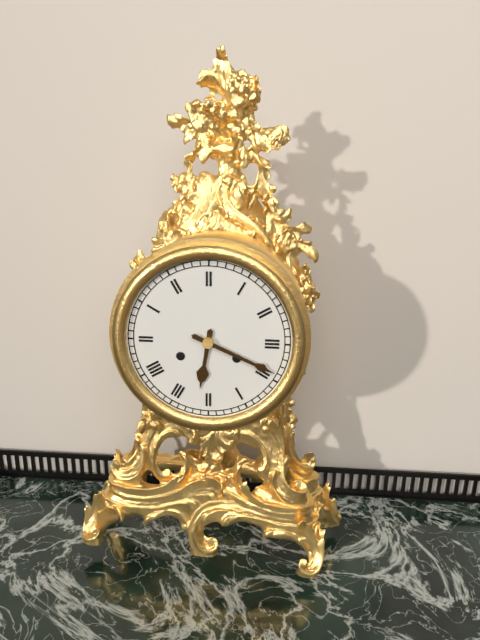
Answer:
6:19
